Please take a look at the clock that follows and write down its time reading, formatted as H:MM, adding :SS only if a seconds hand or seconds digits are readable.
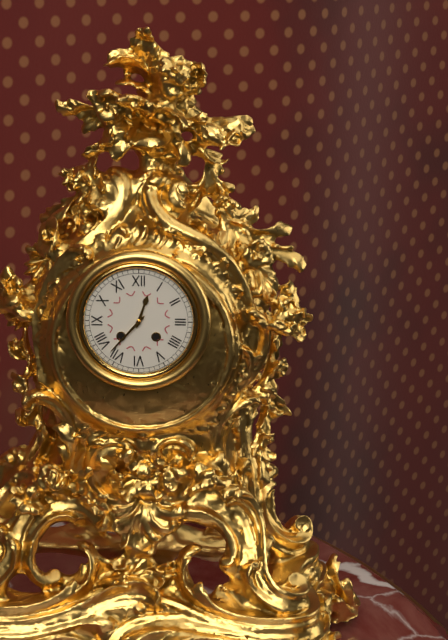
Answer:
12:37
